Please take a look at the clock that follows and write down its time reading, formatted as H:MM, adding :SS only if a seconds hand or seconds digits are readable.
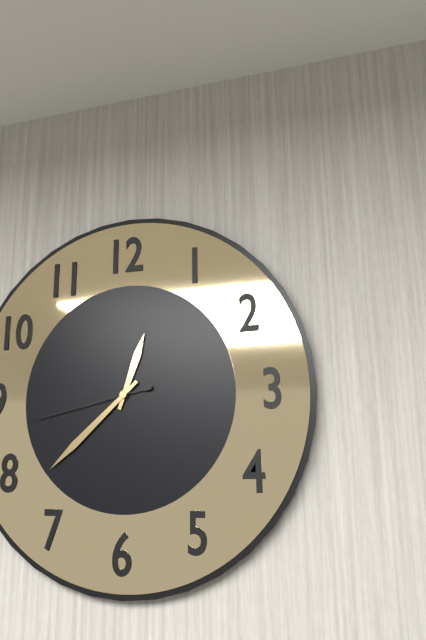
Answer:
12:38:43
